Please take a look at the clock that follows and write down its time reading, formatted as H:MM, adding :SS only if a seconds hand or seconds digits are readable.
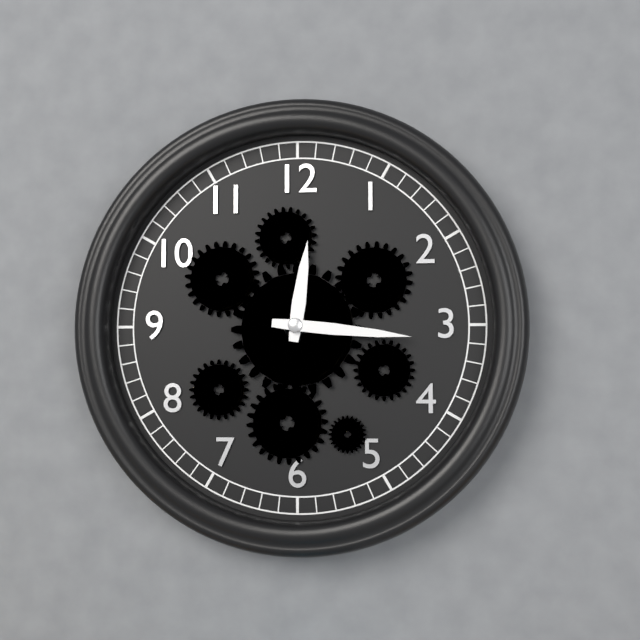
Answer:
12:16
